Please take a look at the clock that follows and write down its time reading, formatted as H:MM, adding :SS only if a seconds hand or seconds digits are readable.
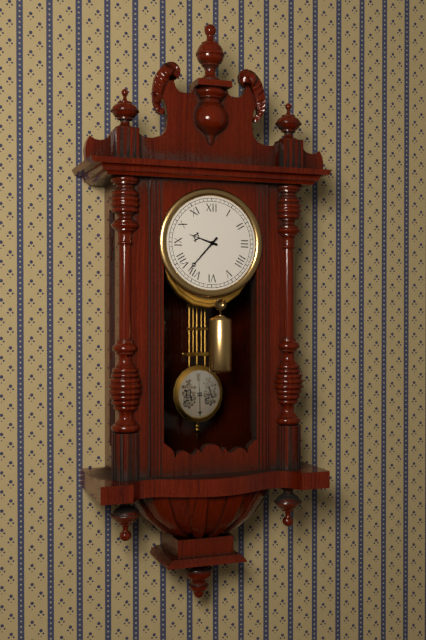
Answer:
9:37
